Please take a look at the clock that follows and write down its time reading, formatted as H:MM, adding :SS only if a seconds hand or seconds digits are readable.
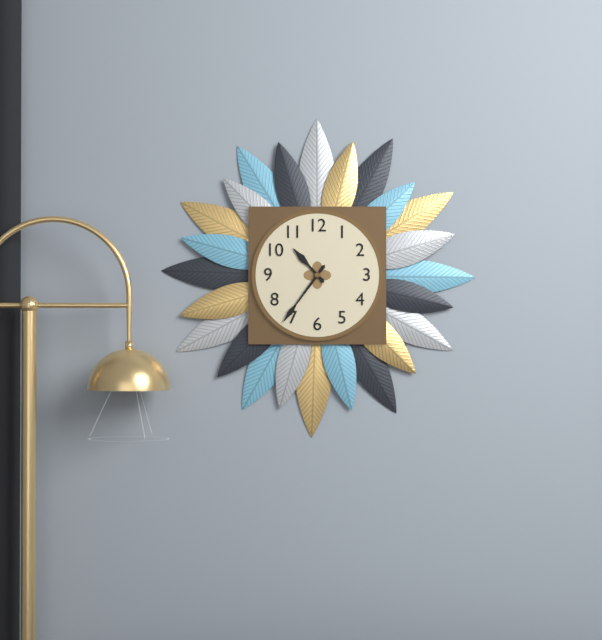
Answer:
10:36
